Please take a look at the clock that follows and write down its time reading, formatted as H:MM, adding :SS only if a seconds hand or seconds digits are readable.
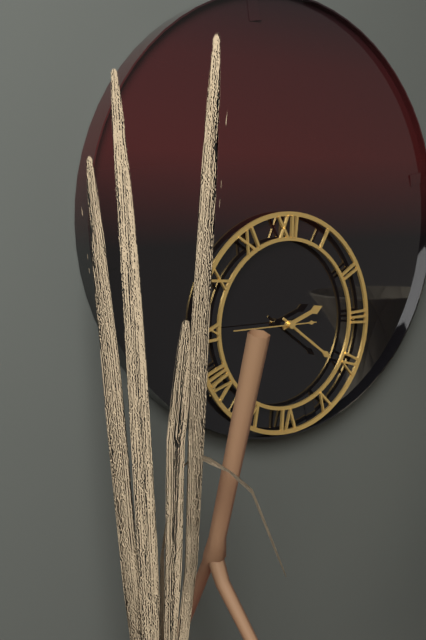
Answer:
2:21:45
